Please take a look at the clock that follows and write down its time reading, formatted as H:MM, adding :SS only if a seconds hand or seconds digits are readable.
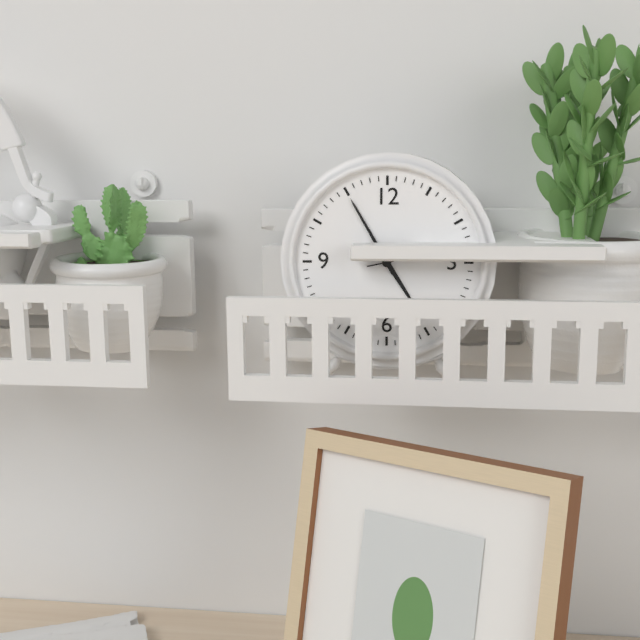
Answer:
4:55
